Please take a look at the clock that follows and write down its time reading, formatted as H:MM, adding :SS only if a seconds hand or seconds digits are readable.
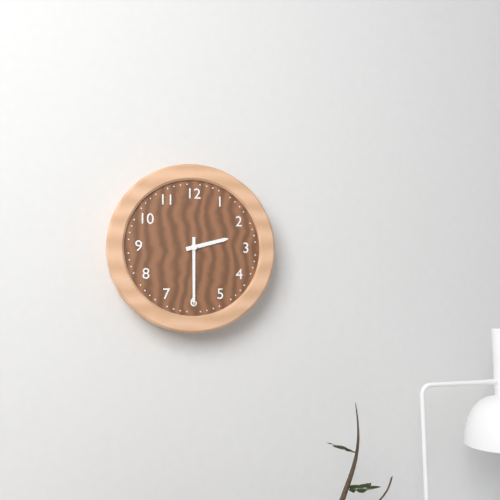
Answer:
2:30
